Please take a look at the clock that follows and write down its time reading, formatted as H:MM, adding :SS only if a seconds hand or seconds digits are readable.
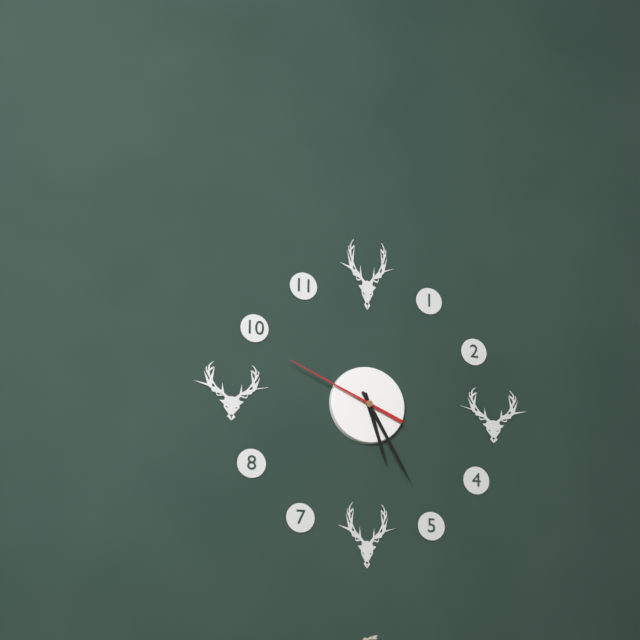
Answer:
5:25:49
